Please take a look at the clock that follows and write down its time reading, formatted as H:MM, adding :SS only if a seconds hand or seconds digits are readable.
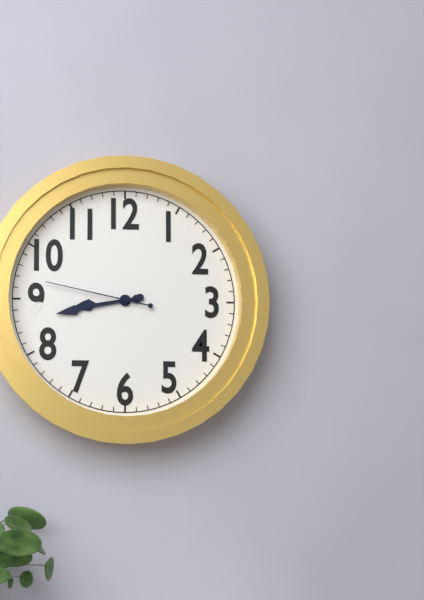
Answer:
8:43:47
